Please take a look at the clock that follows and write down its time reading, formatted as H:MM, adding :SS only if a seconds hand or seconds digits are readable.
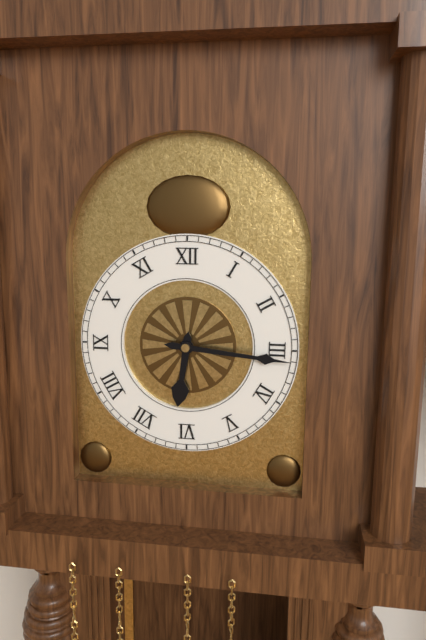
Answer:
6:16
